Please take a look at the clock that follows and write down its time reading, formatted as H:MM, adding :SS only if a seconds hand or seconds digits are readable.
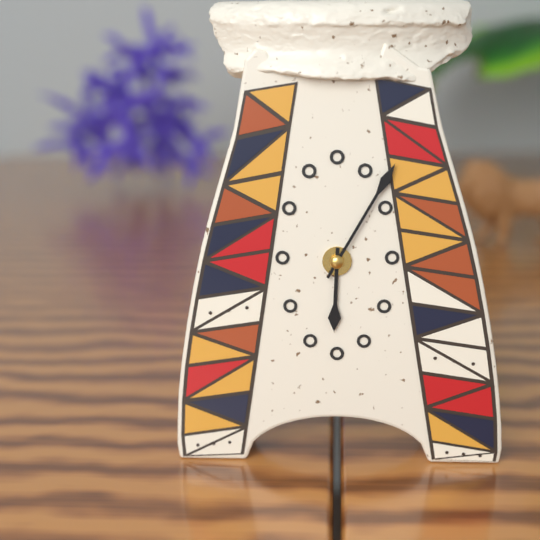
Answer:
6:05
